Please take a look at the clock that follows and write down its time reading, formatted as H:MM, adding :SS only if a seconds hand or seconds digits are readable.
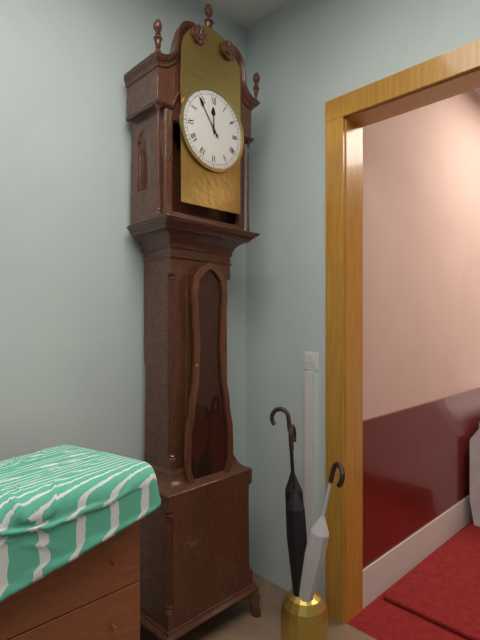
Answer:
11:54
